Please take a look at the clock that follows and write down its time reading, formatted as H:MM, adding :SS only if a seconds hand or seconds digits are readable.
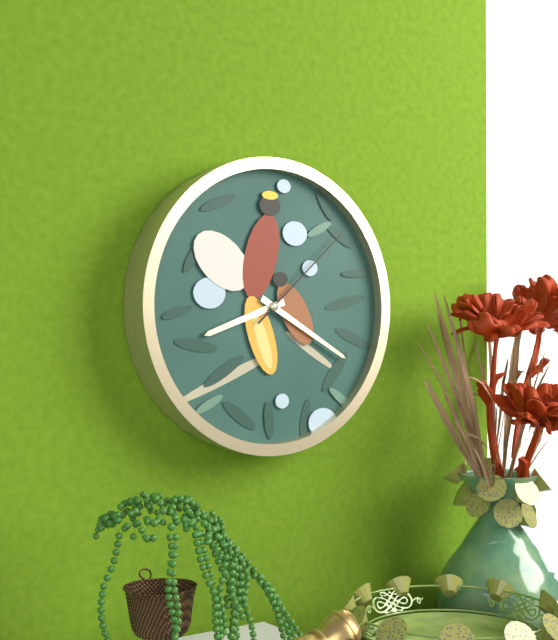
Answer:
8:20:08
